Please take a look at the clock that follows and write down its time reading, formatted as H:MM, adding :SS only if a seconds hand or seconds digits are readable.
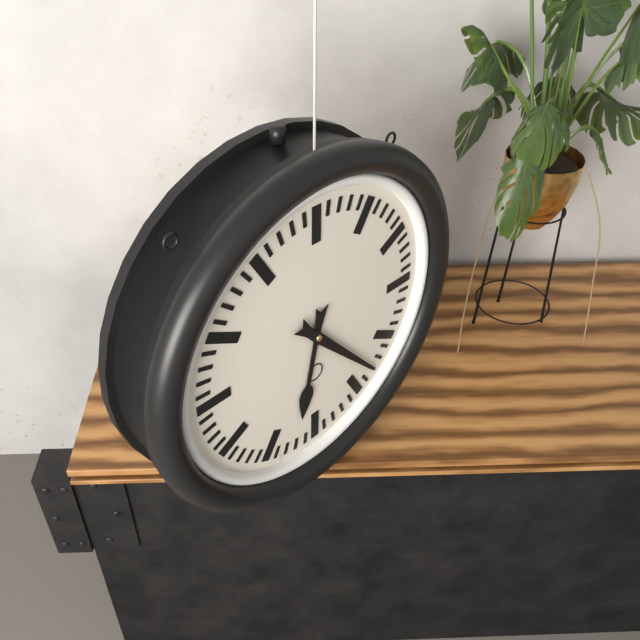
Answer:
6:23
